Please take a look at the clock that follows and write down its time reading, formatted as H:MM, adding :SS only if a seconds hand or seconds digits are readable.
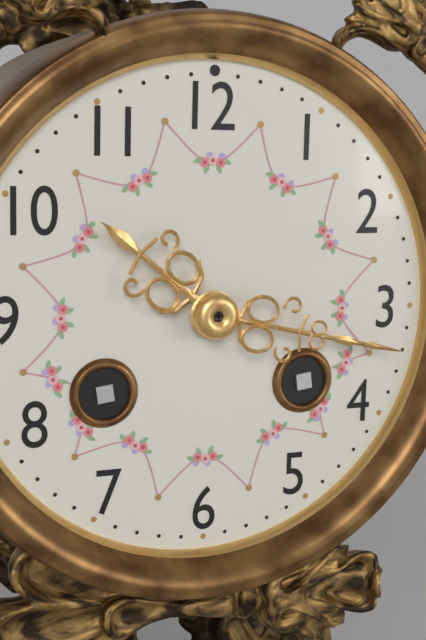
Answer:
10:17
